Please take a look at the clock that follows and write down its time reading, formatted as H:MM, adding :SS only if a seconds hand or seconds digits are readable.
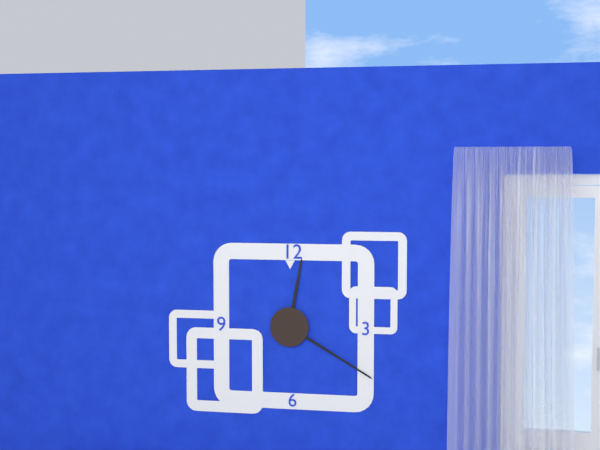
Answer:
12:20
